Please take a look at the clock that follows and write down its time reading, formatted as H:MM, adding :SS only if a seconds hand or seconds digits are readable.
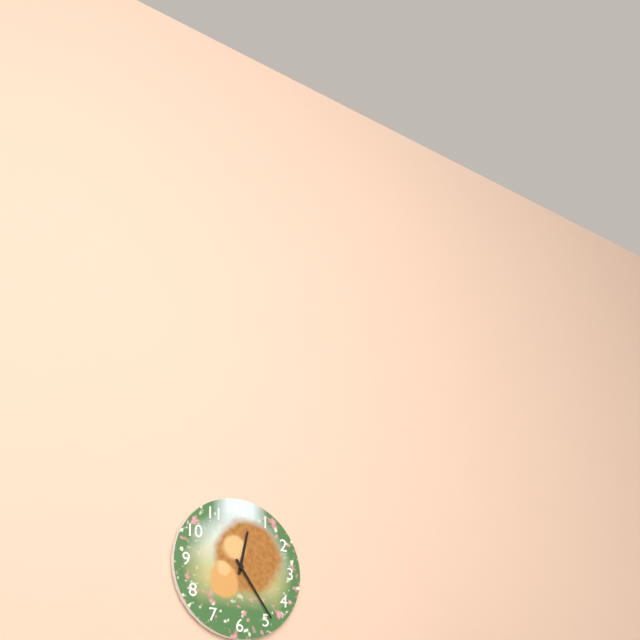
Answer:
12:24
